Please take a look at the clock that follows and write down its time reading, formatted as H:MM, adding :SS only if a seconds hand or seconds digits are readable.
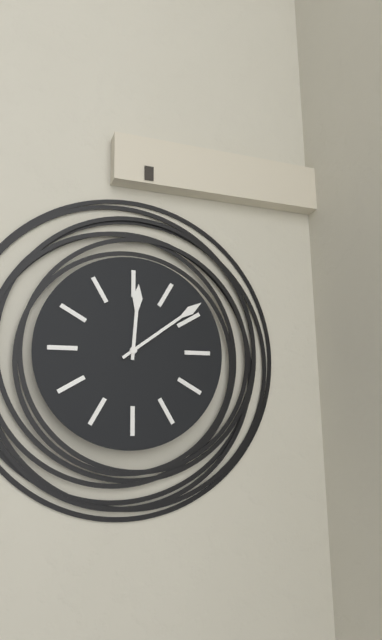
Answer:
12:09
